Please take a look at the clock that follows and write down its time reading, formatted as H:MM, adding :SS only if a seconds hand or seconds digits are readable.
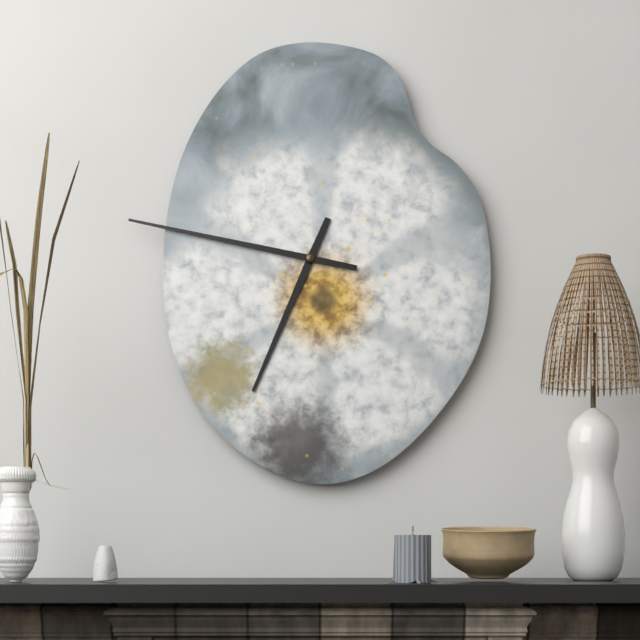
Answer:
6:47
